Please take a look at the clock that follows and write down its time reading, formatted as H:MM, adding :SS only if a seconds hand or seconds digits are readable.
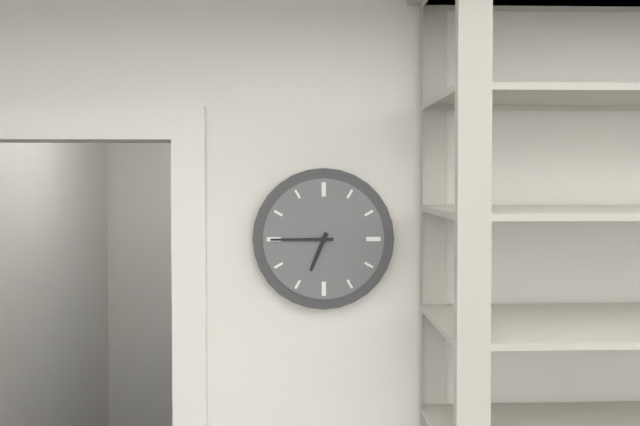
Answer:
6:45
